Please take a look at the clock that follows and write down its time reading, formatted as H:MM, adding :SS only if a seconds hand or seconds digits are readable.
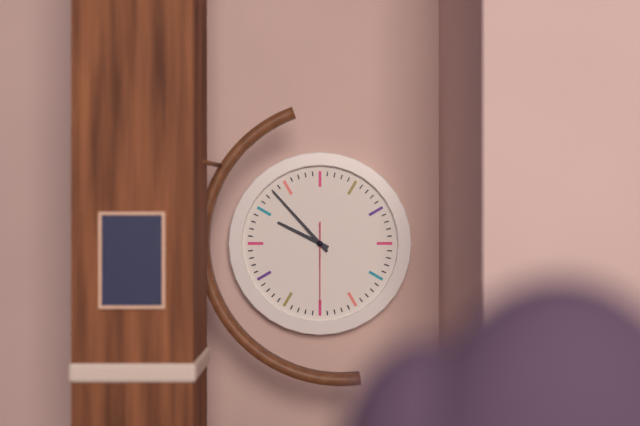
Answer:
9:53:30
